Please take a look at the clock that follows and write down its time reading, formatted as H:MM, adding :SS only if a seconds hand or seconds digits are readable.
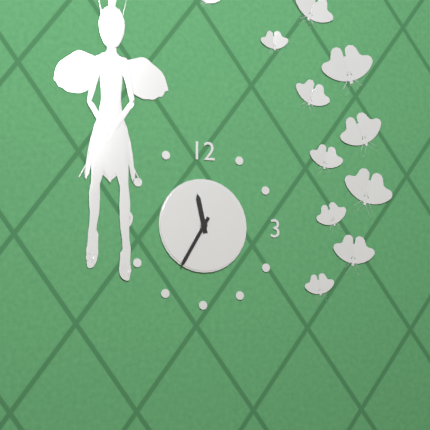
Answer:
11:35
